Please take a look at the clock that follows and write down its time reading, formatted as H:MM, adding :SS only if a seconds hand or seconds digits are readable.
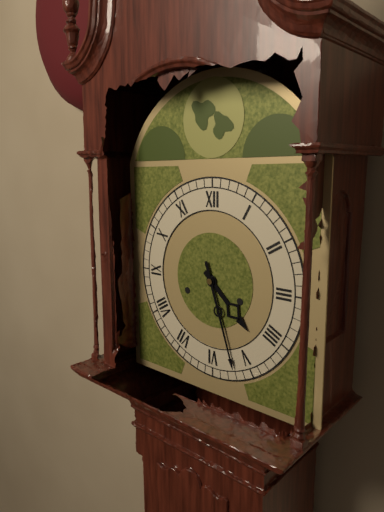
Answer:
4:27
